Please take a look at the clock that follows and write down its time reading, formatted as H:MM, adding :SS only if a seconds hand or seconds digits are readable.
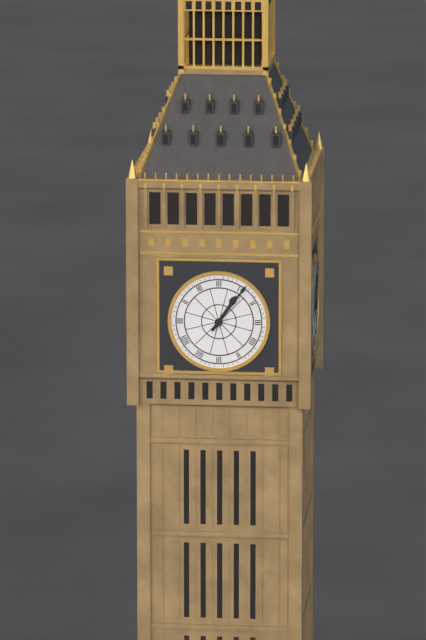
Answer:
1:06
